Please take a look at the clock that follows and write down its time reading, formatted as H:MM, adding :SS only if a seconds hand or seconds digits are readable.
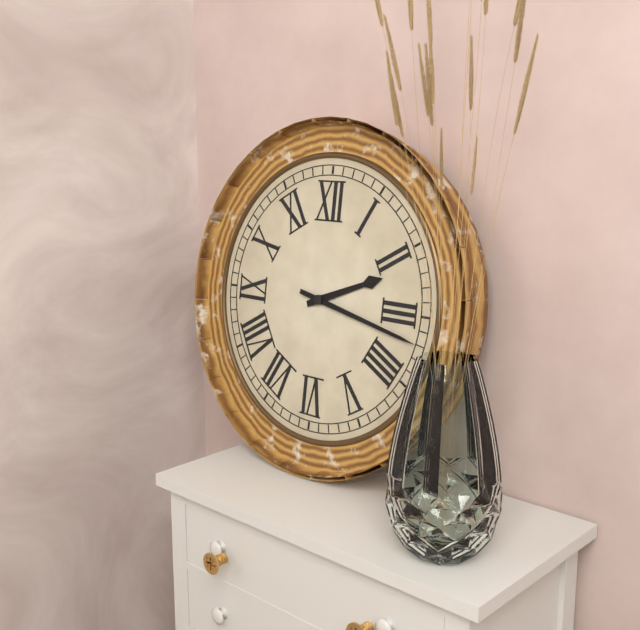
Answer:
2:17
